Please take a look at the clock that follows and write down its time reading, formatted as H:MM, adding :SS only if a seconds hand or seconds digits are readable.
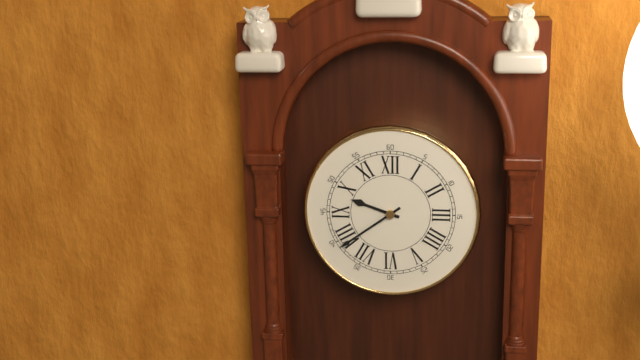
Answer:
9:39
